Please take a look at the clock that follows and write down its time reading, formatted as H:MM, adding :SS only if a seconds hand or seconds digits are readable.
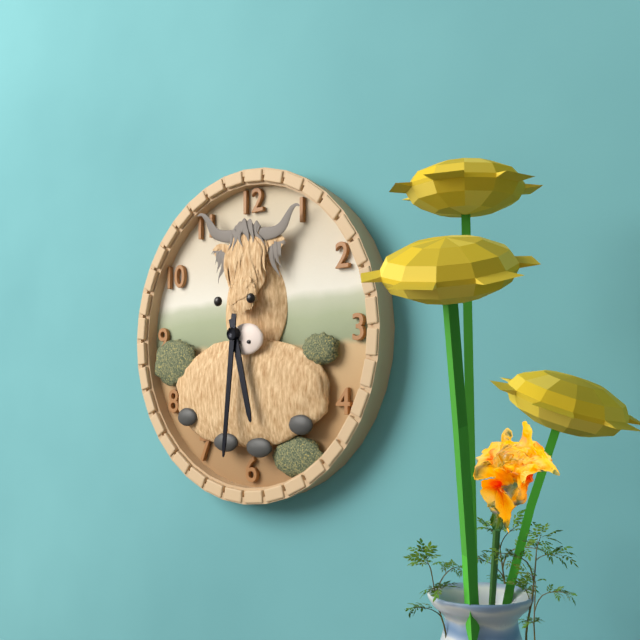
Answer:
5:31
